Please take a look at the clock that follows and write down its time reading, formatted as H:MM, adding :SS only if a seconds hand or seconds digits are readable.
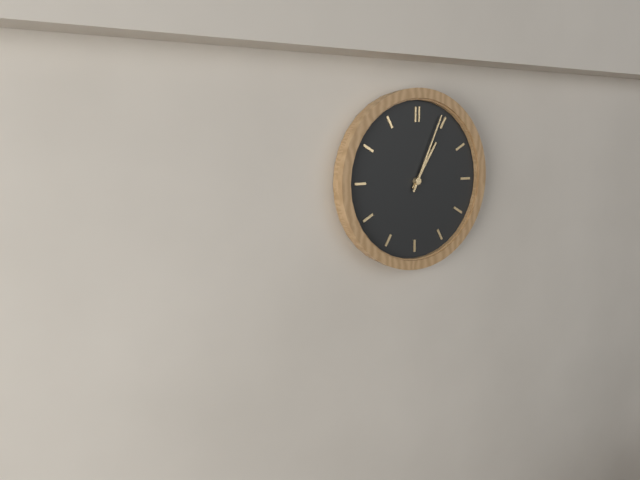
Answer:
1:04
